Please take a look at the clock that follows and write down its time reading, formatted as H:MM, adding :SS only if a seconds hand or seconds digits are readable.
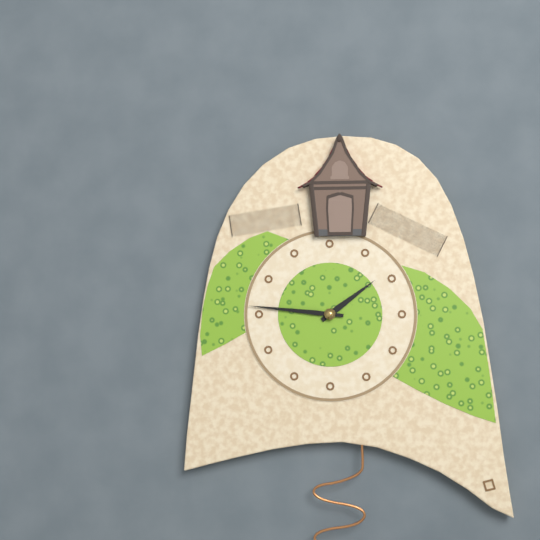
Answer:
1:46
